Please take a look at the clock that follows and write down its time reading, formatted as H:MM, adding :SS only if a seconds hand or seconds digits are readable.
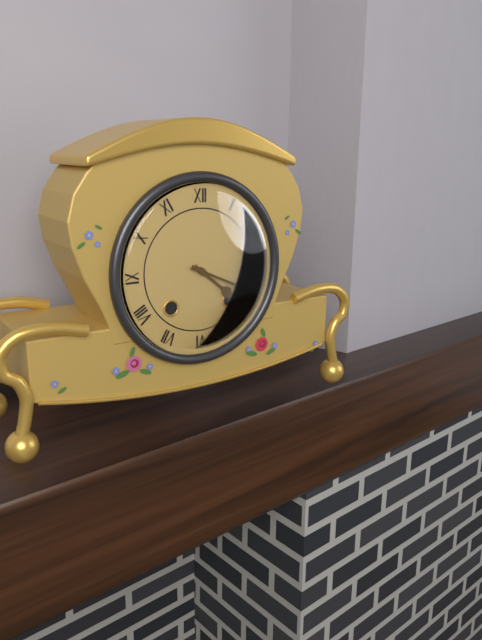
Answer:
4:19
